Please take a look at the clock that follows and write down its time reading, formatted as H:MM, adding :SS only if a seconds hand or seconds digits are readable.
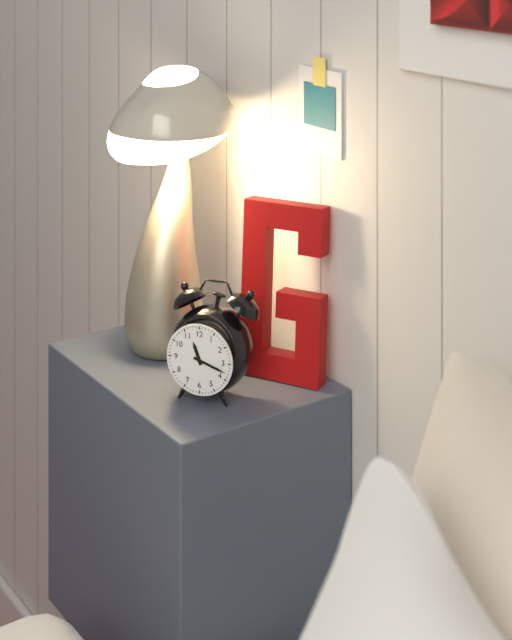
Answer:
11:18
